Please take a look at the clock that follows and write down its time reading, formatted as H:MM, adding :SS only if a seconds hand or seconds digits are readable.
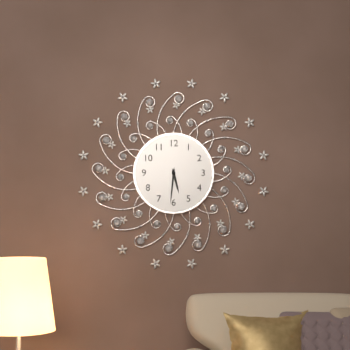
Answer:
5:31
